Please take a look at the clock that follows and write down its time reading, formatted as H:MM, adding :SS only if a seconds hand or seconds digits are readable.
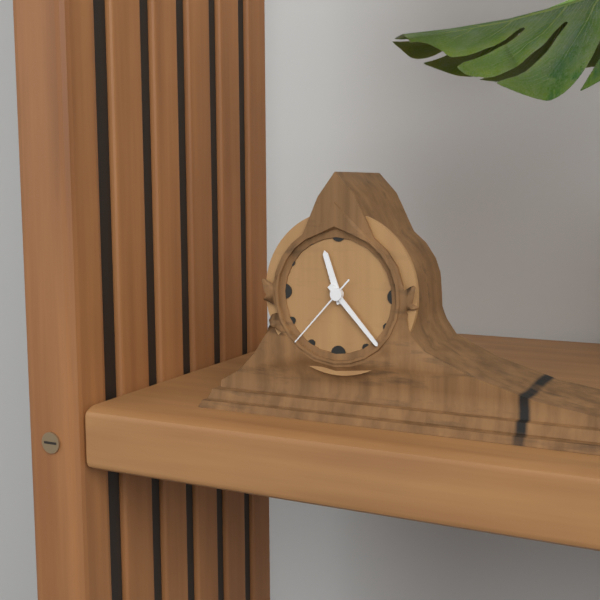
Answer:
11:23:37
